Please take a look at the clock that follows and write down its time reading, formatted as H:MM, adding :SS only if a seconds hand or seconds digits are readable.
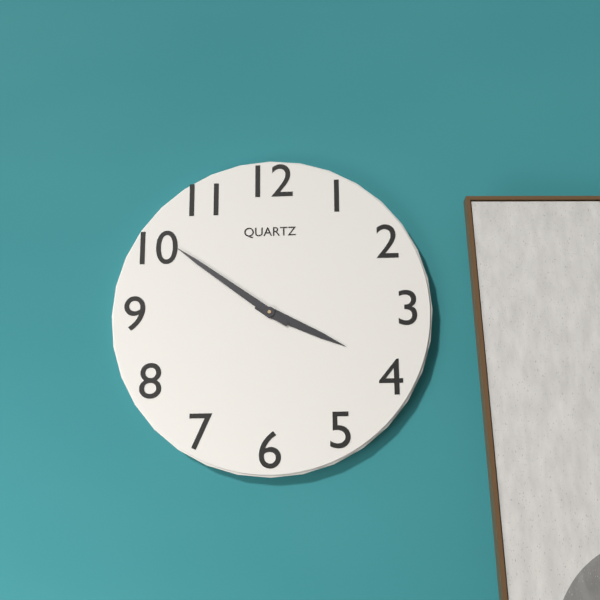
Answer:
3:51
